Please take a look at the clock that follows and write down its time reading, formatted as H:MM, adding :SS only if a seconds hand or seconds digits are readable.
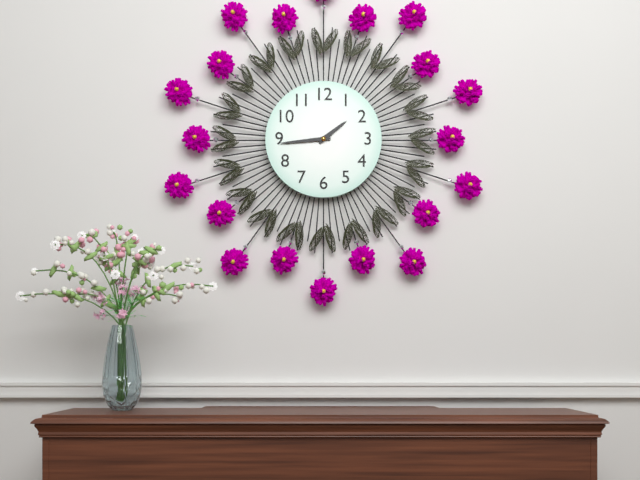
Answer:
1:44
